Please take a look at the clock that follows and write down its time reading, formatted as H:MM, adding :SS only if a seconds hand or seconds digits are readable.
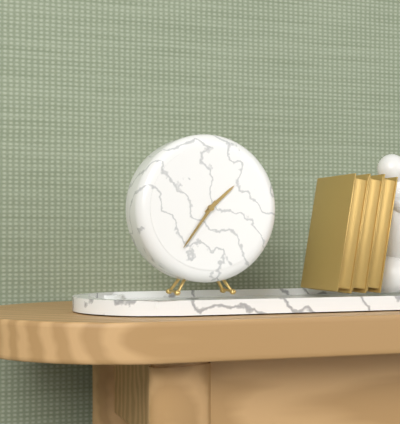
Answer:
1:36
